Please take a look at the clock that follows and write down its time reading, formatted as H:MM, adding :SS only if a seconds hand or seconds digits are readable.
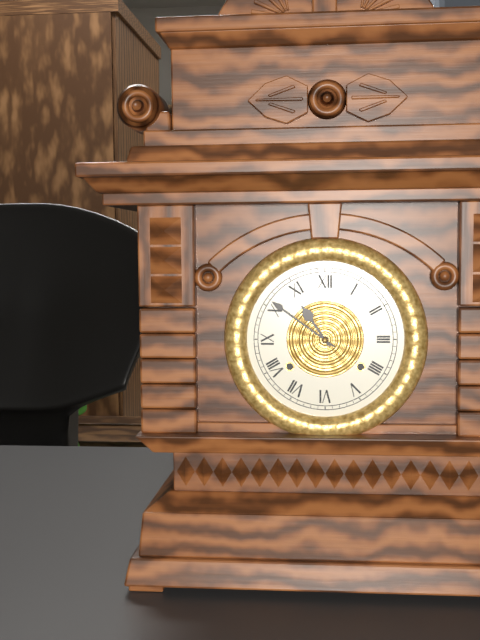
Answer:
10:51
